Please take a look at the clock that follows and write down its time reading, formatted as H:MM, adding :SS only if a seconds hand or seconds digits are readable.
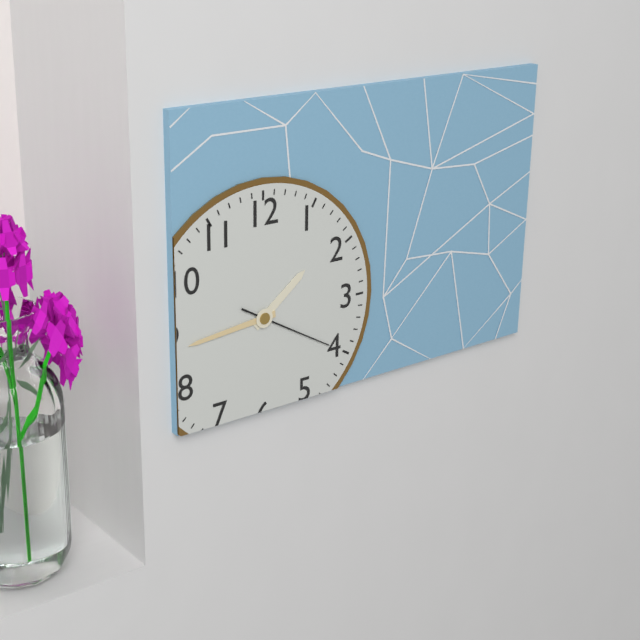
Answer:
1:44:20
